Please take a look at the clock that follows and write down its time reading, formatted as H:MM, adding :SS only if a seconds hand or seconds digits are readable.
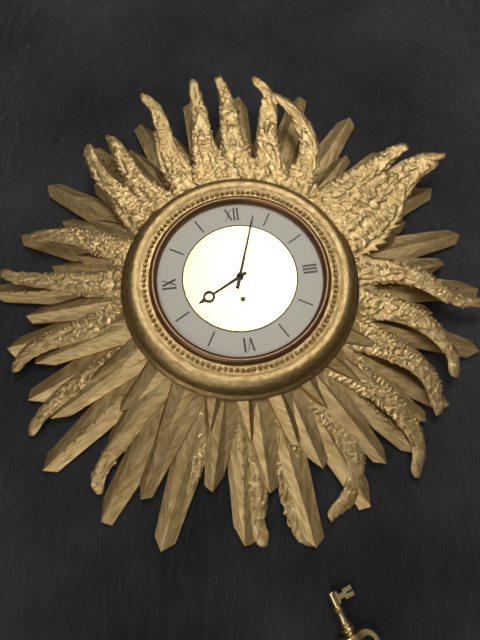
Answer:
8:03
